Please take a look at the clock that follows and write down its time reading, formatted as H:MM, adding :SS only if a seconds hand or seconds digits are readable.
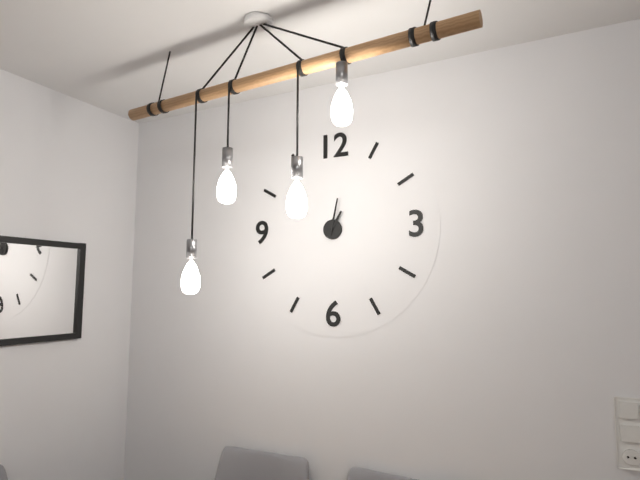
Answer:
1:02
